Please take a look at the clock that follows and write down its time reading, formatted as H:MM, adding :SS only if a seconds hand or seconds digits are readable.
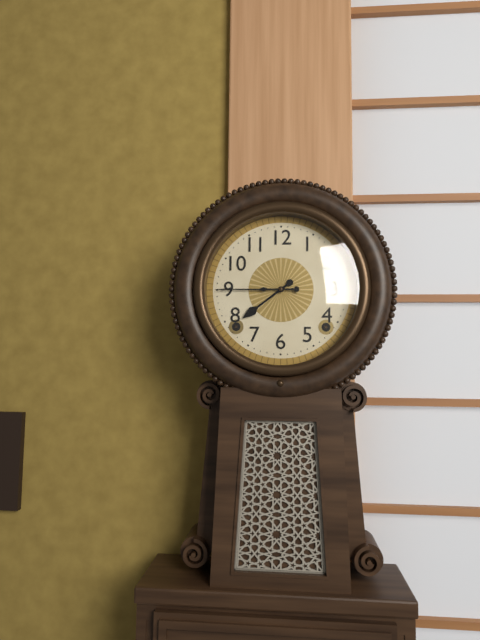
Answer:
7:45
